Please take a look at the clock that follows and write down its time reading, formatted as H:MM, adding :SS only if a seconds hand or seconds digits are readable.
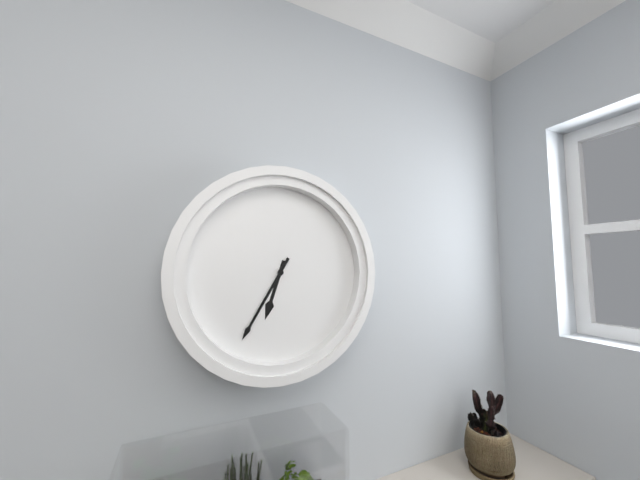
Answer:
6:35
